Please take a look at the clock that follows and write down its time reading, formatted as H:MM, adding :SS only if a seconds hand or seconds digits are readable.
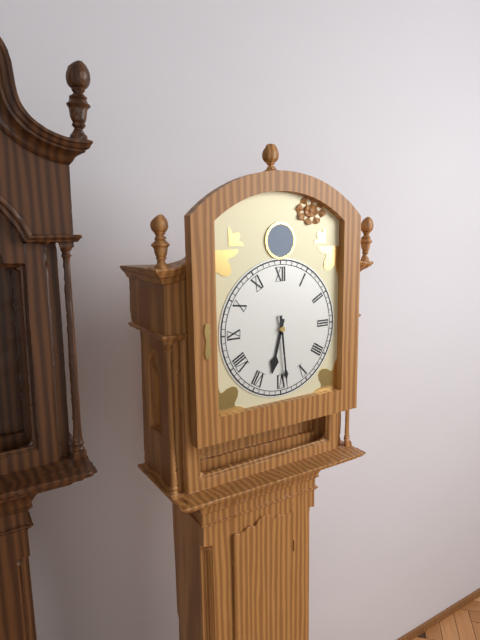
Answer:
6:29
